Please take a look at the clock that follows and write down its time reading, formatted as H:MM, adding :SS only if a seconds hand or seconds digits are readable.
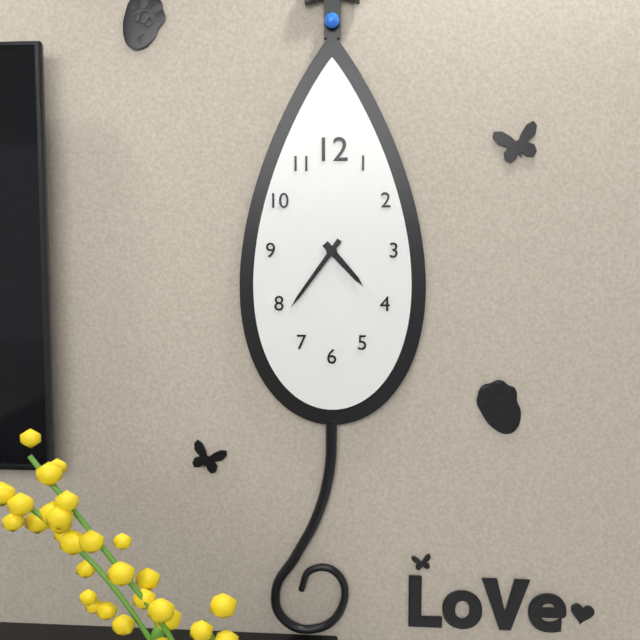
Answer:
4:36
